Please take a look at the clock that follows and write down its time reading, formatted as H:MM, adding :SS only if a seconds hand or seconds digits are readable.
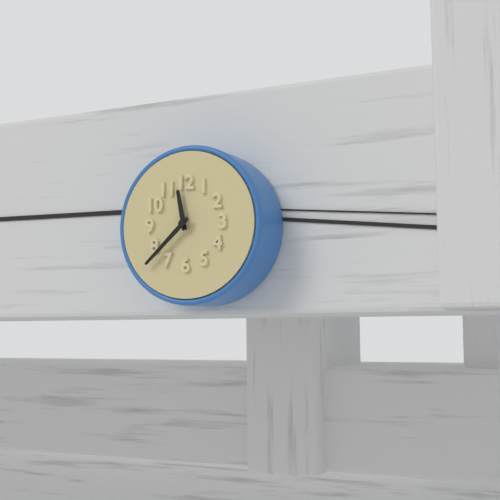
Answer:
11:38
